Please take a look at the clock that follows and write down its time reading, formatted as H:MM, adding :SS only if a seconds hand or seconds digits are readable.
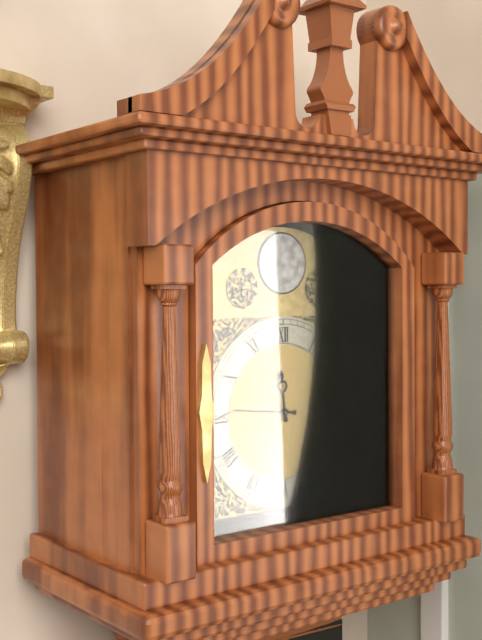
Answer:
11:46
